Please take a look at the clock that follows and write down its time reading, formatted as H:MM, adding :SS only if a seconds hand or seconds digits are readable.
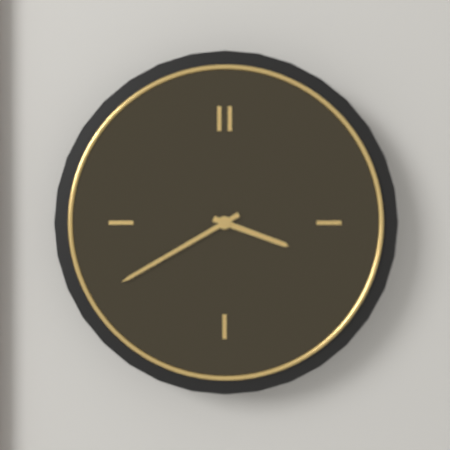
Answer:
3:40
